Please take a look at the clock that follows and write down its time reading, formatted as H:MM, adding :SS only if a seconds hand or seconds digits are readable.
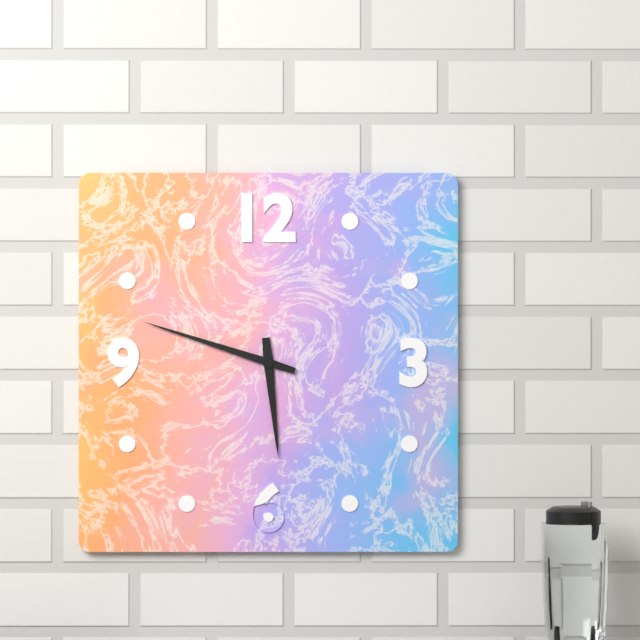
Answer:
5:48
